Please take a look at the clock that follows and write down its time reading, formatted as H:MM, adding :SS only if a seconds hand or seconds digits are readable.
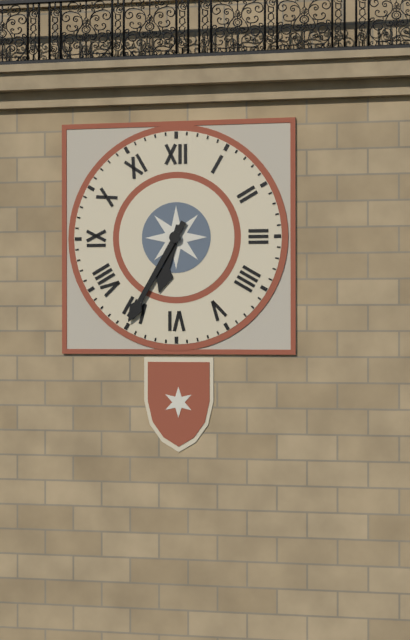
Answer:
6:35
